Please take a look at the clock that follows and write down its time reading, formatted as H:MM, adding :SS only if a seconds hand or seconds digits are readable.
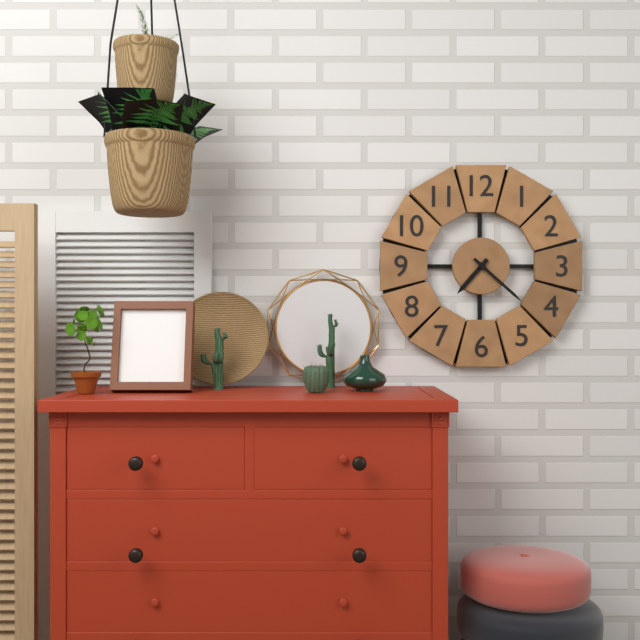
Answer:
7:22
